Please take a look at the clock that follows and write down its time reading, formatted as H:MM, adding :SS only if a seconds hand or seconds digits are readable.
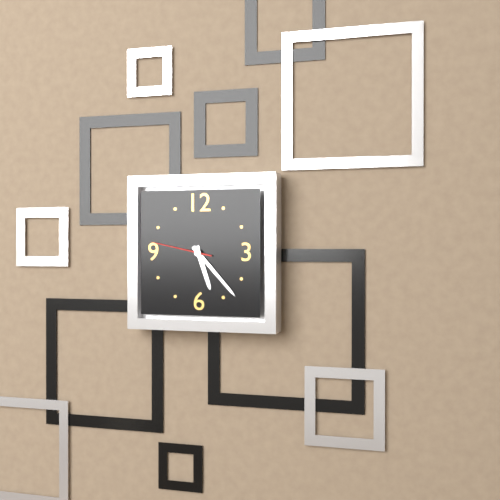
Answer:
5:23:47
